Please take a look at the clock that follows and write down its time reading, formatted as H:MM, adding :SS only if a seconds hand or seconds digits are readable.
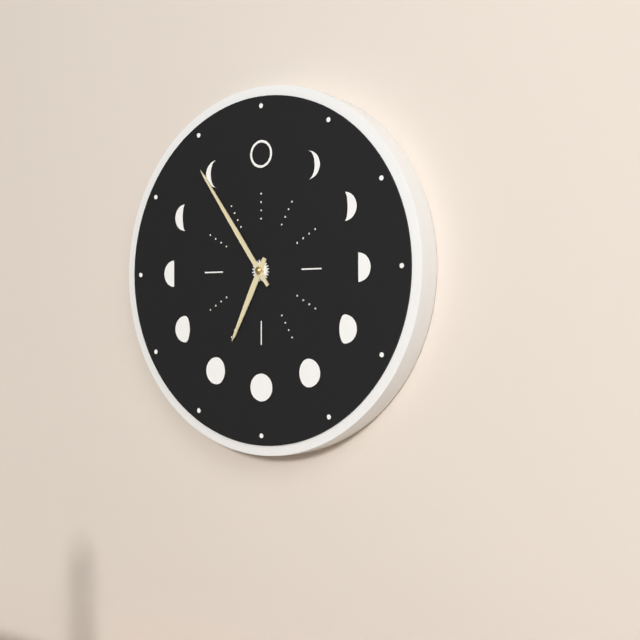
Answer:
6:54
